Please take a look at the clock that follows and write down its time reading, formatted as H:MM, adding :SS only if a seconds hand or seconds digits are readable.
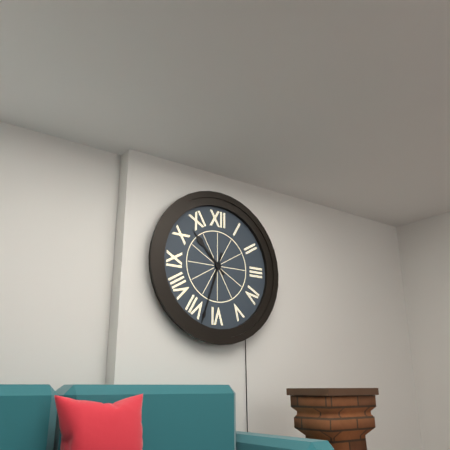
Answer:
10:33
